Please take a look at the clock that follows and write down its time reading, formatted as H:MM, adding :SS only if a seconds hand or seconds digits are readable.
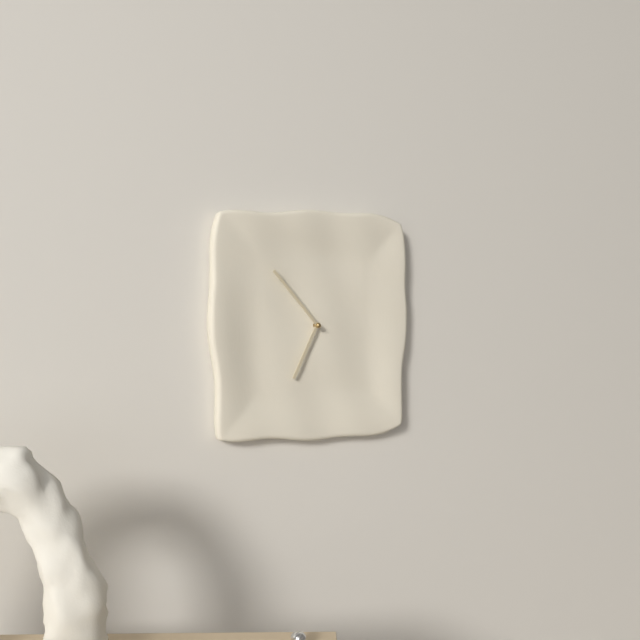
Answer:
6:53
